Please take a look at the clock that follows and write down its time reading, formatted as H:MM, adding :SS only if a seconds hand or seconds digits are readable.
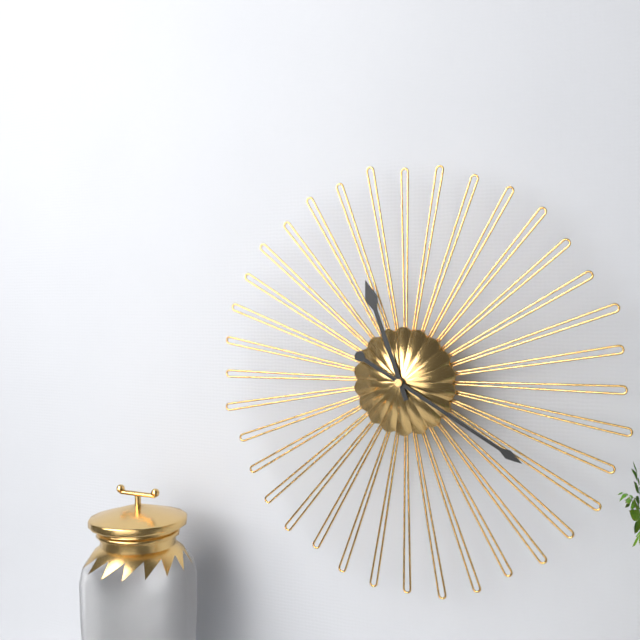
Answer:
11:20
